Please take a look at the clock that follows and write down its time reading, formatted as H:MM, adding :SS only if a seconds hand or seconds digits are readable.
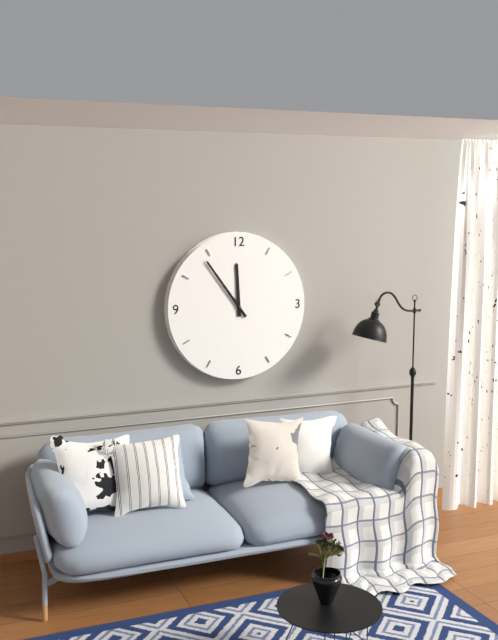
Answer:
11:54
